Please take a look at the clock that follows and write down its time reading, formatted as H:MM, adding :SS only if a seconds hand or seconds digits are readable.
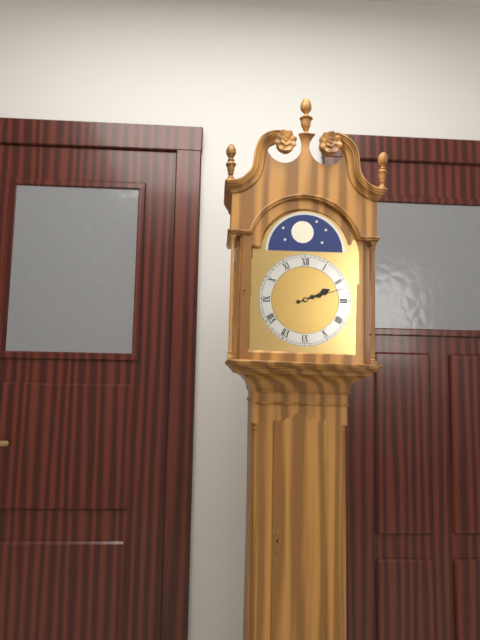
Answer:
2:12
